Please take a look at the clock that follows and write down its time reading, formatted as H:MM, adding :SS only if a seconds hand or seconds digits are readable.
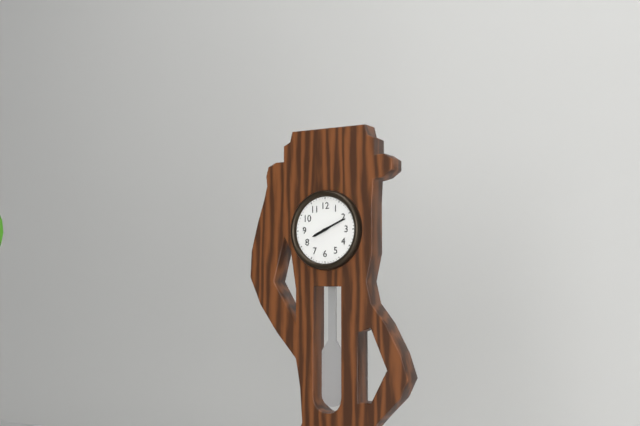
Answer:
8:11
